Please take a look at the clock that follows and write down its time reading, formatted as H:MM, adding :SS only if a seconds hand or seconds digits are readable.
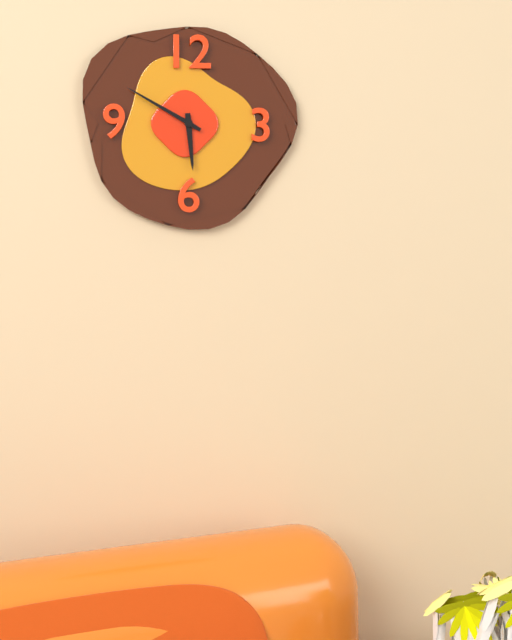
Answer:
5:50
